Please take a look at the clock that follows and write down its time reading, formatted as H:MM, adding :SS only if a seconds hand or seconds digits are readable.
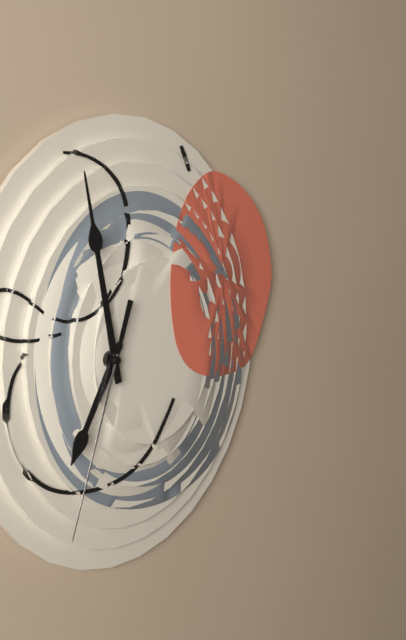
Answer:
6:58:33
